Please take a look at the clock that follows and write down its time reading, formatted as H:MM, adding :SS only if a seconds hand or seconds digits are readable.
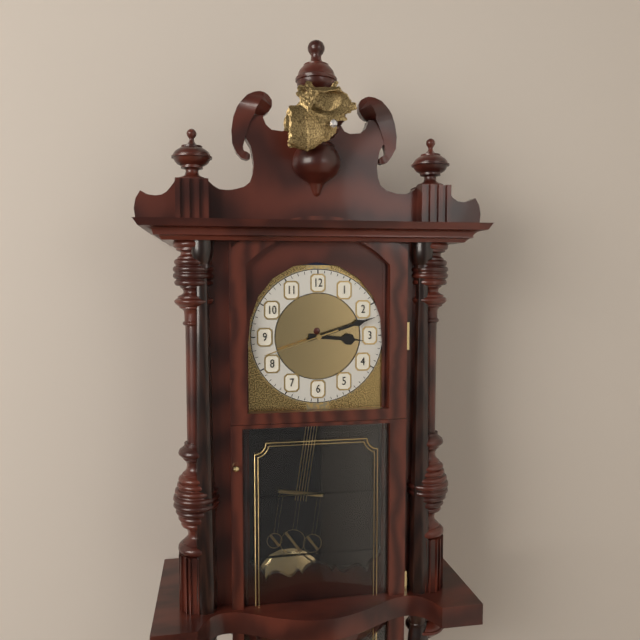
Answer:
3:12:42
